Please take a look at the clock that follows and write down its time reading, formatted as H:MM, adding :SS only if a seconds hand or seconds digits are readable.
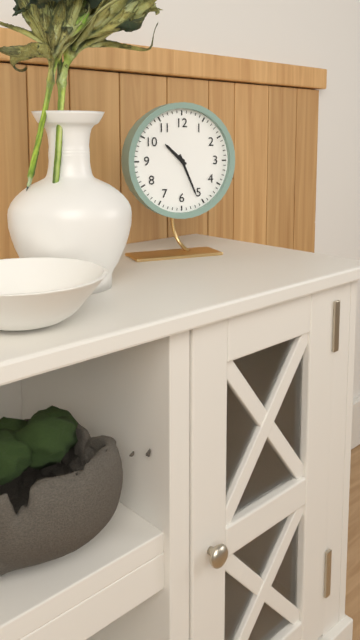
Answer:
10:26
